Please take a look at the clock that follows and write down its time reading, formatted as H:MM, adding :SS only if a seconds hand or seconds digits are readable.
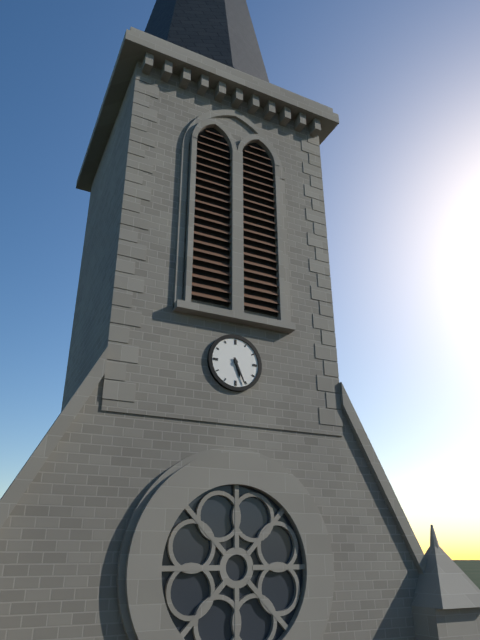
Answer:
5:26
